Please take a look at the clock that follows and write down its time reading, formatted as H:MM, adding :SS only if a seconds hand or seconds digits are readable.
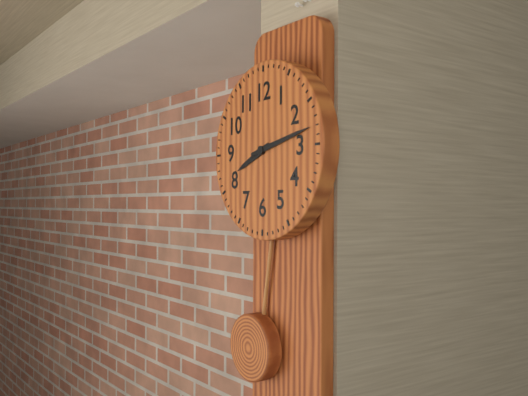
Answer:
8:13
